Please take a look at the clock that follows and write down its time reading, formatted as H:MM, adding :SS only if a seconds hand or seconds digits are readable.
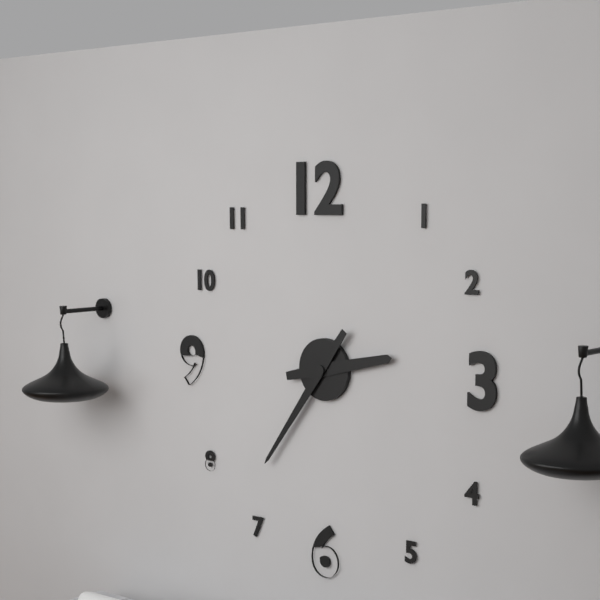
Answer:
2:36
